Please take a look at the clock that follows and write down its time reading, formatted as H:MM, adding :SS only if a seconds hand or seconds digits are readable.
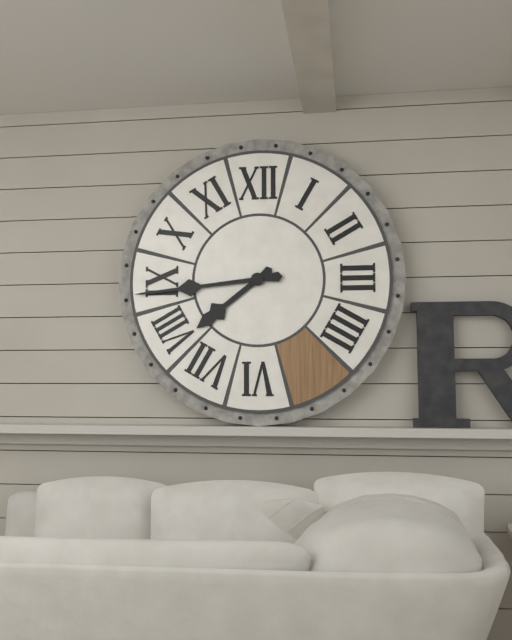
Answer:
7:44
